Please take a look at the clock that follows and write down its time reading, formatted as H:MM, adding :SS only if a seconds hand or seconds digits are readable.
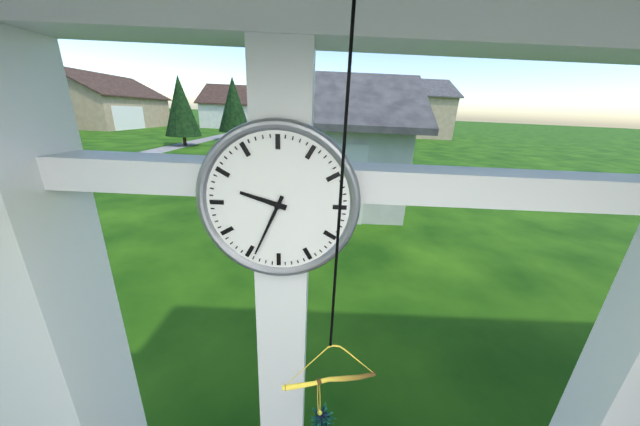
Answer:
9:34
